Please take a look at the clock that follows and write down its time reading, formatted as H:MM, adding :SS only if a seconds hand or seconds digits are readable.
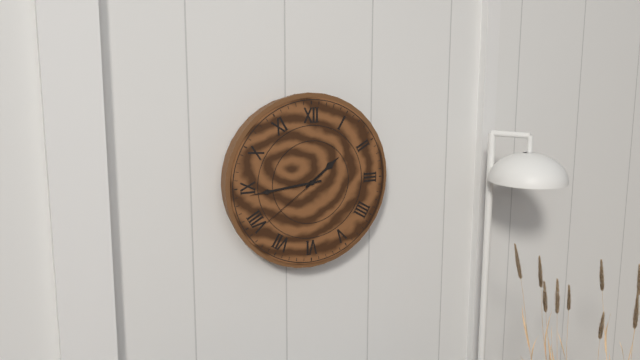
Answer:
1:44:39
